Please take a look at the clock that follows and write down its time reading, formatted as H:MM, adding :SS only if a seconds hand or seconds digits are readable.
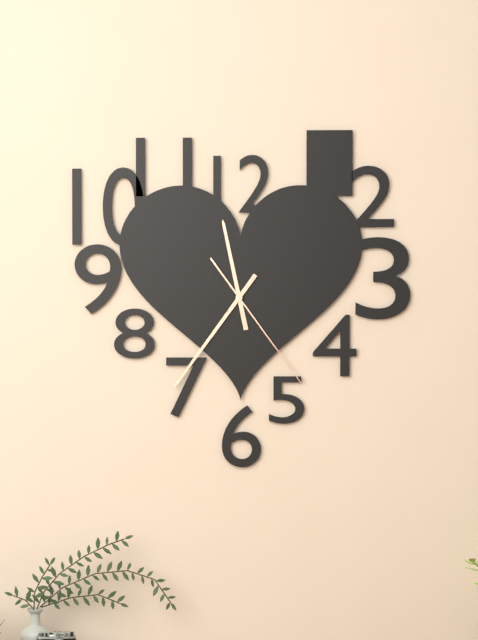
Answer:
11:36:24
